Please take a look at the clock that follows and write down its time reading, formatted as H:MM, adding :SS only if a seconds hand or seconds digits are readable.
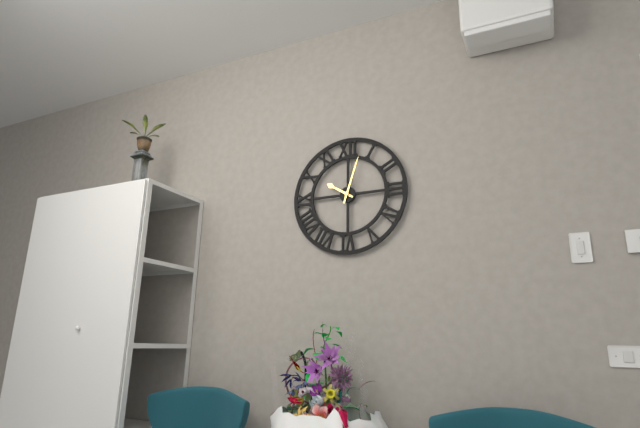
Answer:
10:03
